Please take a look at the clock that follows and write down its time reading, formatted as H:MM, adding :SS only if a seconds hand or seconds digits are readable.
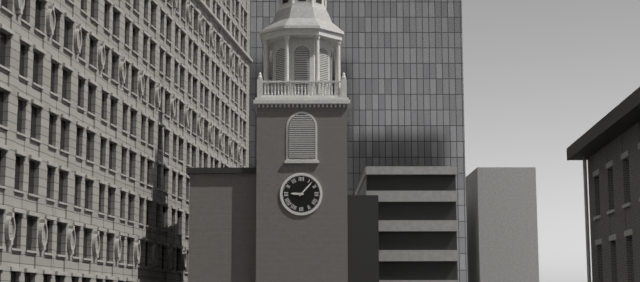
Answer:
9:07
